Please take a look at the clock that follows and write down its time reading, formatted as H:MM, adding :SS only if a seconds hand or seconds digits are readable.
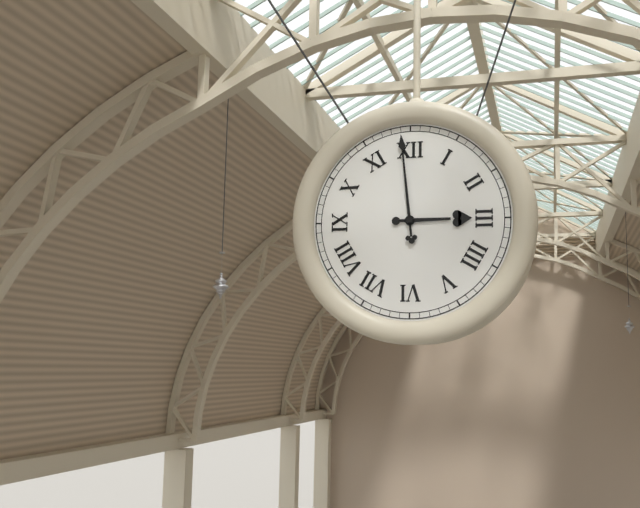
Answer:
2:59
